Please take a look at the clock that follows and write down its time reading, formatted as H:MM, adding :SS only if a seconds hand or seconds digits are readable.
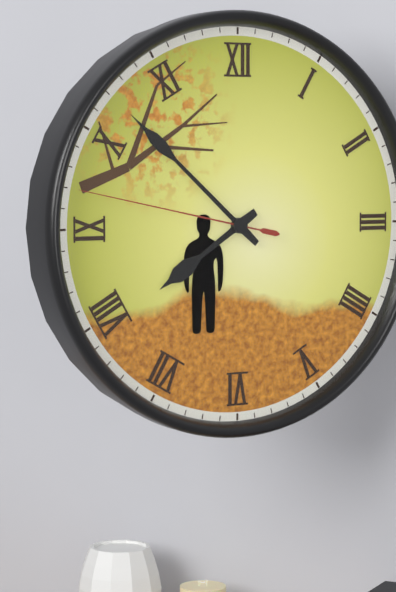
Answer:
7:52:47
